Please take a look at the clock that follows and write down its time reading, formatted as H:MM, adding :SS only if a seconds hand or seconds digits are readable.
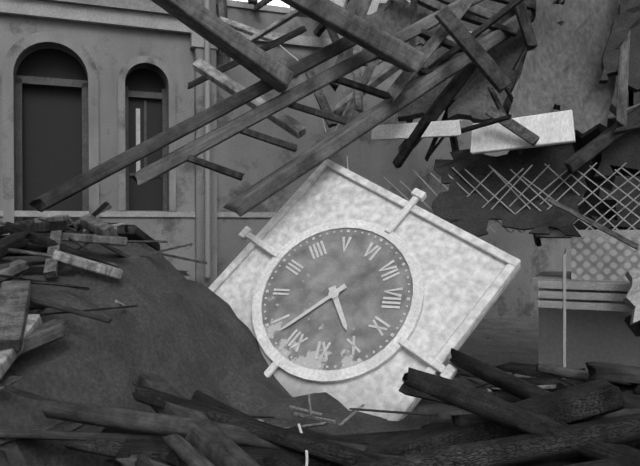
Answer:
10:03
